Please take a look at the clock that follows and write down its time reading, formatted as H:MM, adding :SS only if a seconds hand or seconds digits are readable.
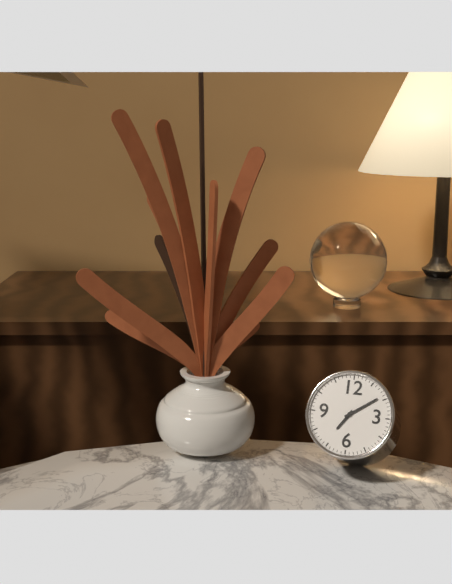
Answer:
7:09
